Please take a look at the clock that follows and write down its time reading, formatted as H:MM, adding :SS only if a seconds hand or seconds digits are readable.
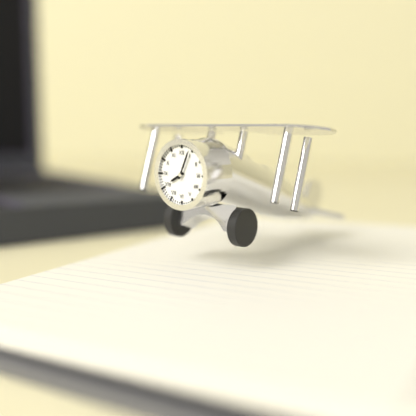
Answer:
8:04
